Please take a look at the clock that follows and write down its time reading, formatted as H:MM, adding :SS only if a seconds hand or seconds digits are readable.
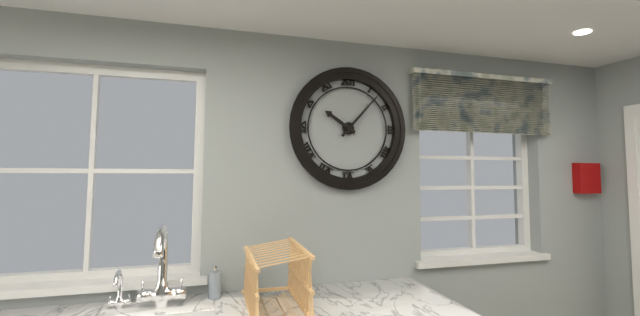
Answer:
10:07
